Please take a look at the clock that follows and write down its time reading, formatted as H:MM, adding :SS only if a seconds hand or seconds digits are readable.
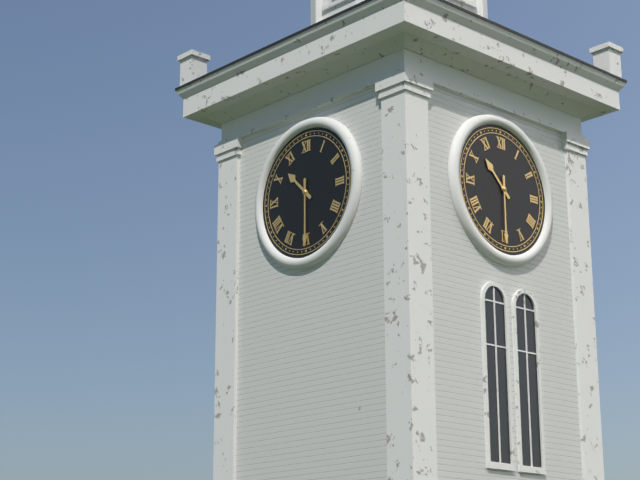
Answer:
10:30
